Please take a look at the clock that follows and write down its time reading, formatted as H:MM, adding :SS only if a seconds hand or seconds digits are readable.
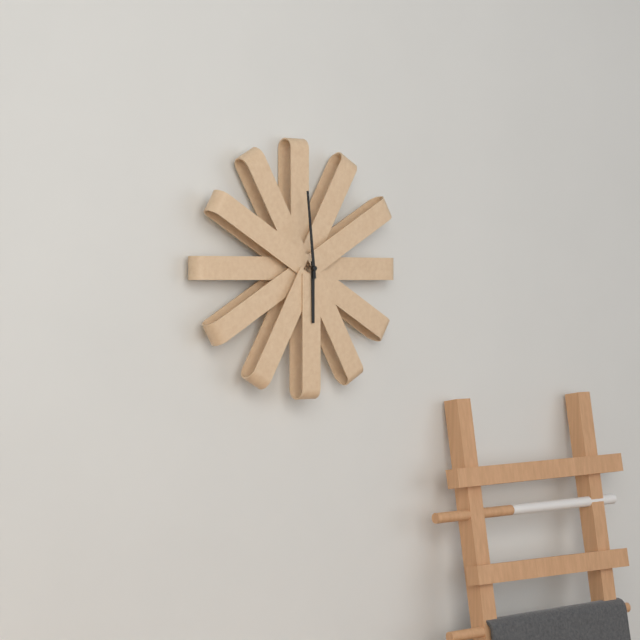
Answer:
5:59
